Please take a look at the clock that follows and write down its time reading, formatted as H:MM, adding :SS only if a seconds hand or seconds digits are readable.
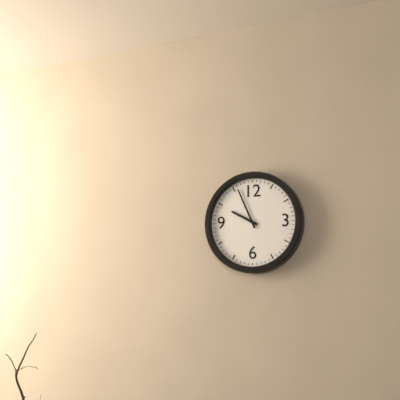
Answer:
9:56
